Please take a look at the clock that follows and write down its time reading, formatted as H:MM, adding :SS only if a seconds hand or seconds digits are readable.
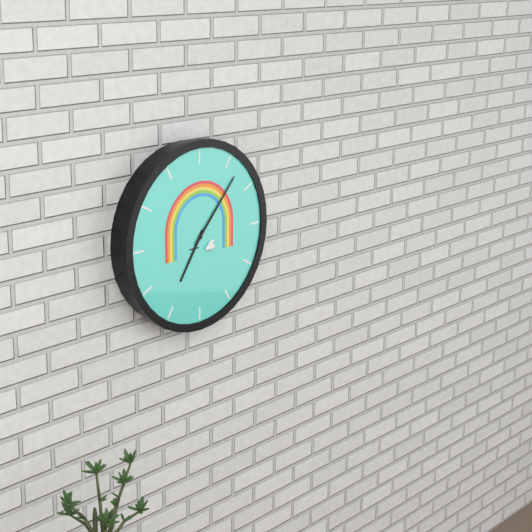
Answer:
7:07
